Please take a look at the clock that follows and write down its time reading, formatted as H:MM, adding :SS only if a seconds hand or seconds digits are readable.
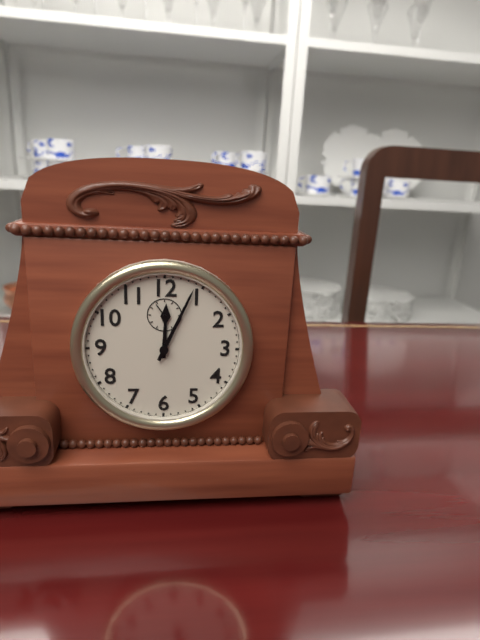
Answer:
12:04
